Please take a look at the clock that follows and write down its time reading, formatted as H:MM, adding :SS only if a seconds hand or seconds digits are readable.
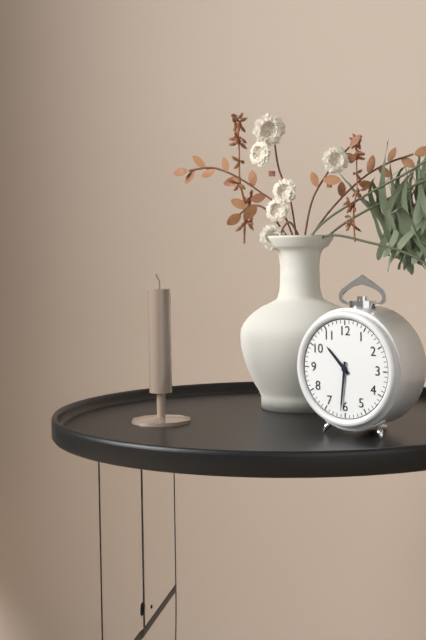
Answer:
10:31
